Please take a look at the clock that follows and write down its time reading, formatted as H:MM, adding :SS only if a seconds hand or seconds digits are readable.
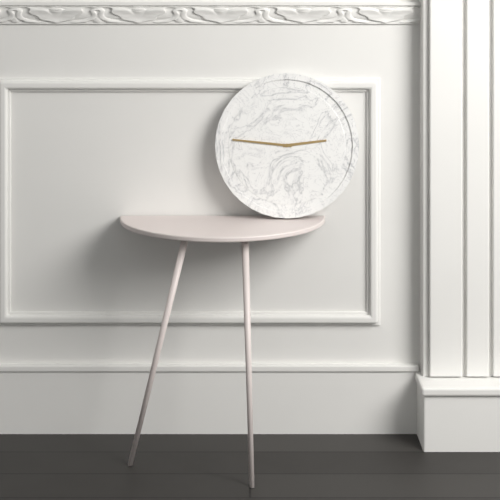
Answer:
2:46
